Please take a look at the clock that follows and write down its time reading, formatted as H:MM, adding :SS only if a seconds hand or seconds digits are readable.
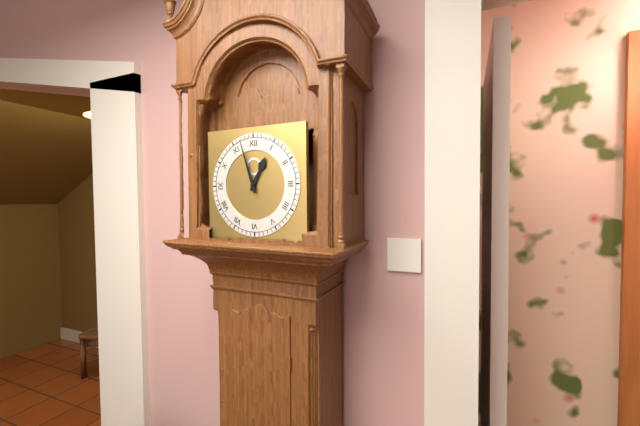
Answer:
12:57
